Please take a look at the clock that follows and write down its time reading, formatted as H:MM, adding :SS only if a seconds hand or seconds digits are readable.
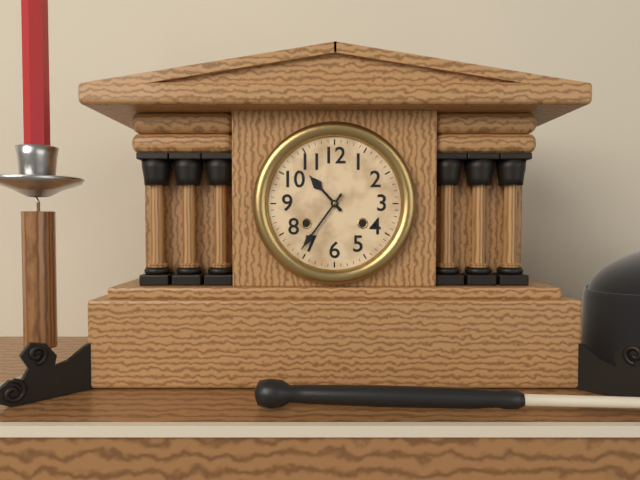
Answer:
10:36
